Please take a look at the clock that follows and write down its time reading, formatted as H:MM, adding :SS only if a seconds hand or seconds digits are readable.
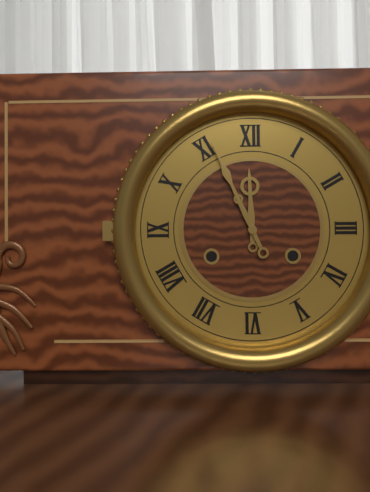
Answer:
11:56
